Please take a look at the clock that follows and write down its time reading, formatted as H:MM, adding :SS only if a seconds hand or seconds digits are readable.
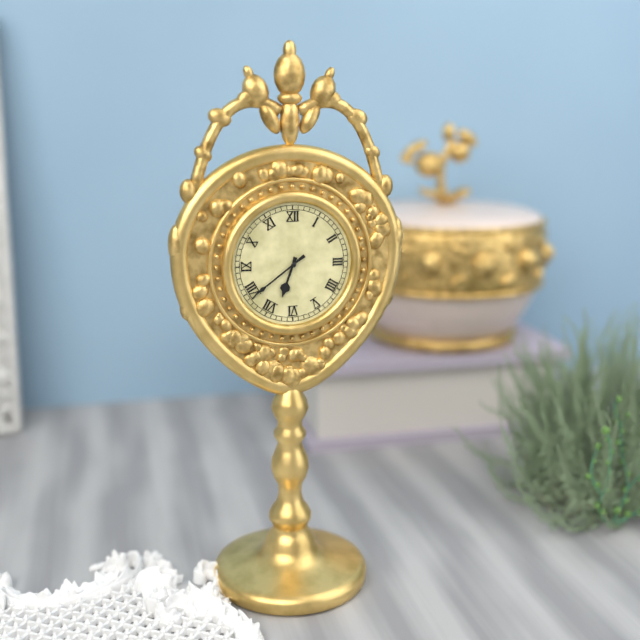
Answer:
6:39
